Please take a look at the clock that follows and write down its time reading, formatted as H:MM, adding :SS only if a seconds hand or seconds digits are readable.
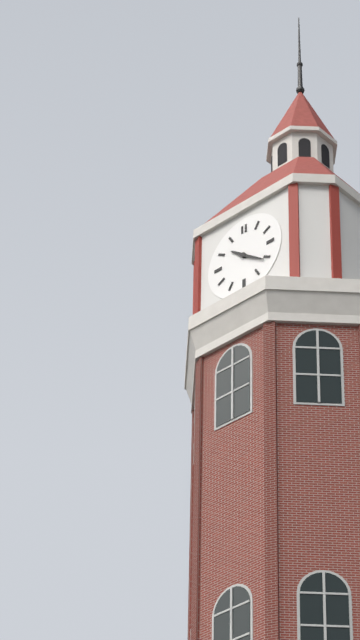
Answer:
10:21
